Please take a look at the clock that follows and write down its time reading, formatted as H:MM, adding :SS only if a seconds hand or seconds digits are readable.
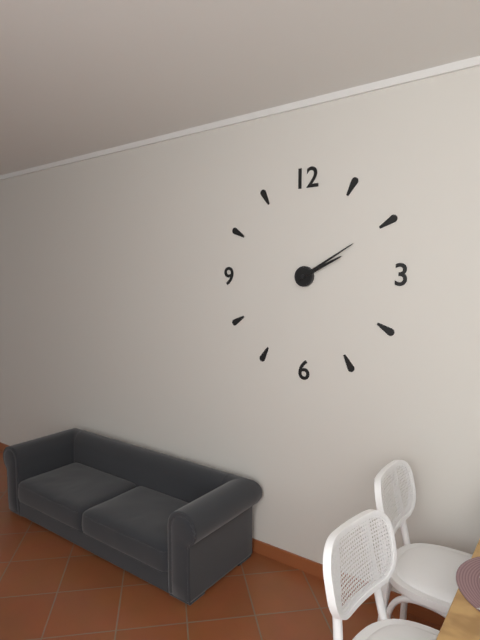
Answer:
2:10
